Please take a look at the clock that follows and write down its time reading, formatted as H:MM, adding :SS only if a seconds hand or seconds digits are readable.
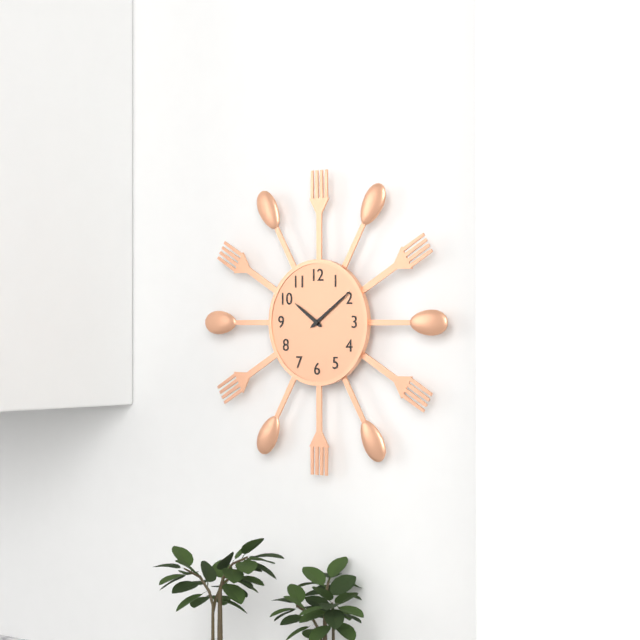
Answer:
10:09
